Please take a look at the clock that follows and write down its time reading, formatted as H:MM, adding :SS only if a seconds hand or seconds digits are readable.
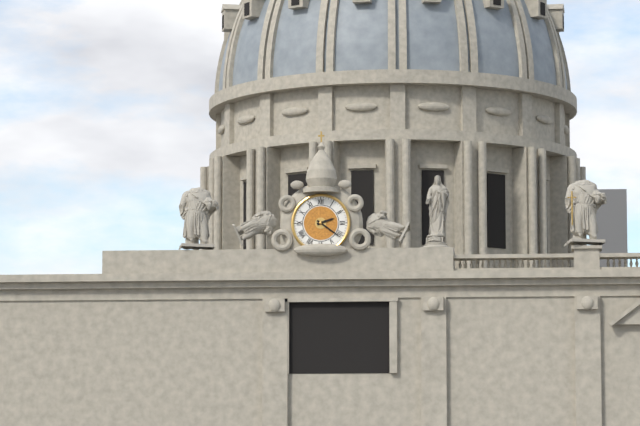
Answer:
2:21
